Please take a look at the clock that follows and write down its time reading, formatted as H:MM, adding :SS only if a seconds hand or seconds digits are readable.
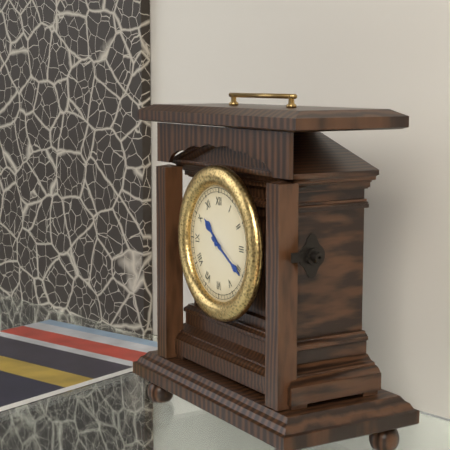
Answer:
10:20
